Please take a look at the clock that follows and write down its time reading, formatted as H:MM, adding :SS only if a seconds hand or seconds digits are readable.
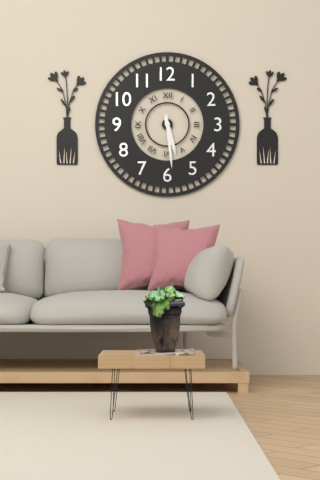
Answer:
5:29
